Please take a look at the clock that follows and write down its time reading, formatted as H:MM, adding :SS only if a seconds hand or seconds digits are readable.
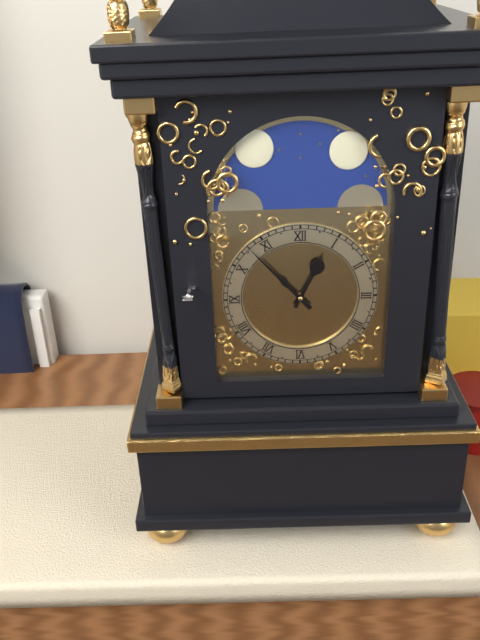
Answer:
12:53
